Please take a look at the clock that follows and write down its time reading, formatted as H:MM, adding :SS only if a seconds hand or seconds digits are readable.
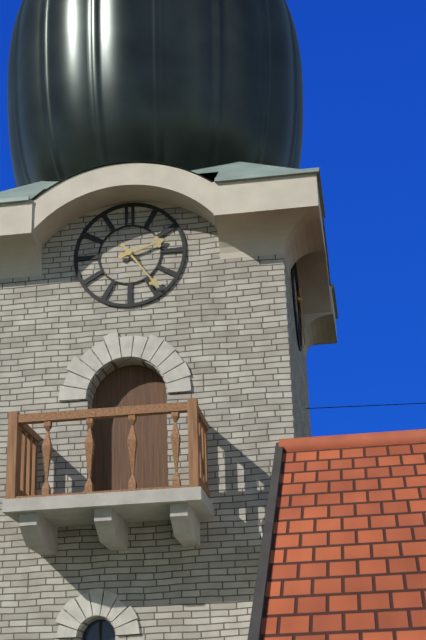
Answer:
2:24
